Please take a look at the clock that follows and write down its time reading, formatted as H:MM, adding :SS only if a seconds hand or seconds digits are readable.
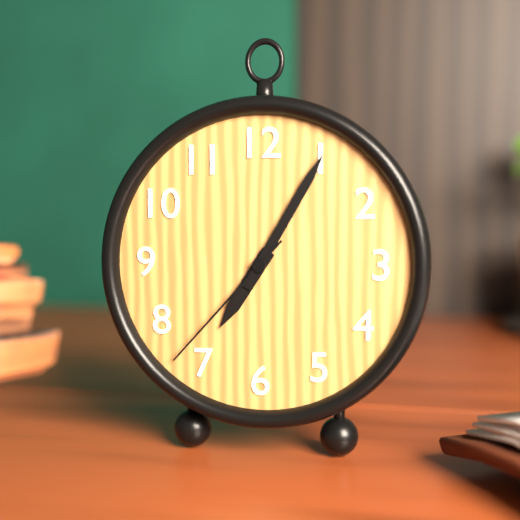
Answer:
7:05:37
